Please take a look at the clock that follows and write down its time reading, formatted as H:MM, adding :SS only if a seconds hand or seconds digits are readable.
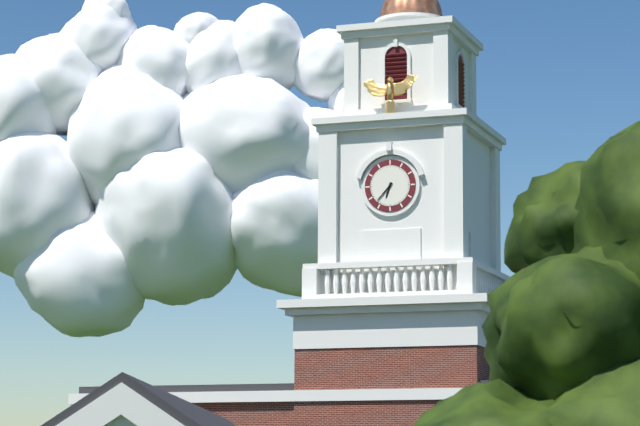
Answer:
6:37
